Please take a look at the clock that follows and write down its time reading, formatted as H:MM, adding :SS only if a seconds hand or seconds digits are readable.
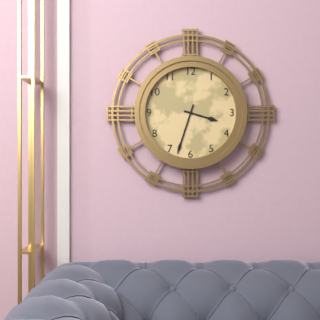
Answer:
3:33
